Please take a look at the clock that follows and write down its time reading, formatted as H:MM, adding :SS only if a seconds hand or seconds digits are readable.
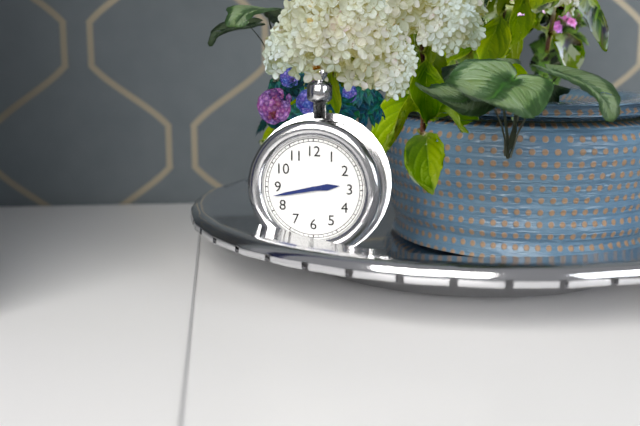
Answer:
2:43
